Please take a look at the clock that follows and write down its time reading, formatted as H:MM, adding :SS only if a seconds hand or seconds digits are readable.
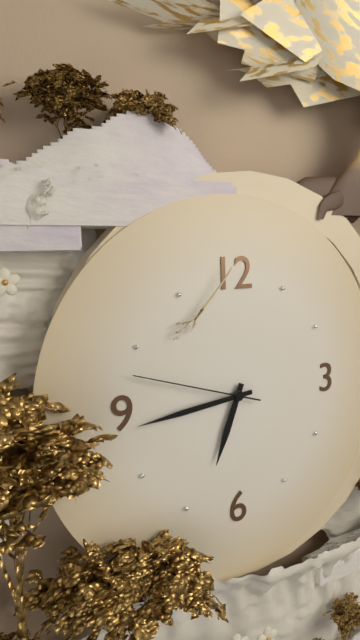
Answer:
6:44:48
